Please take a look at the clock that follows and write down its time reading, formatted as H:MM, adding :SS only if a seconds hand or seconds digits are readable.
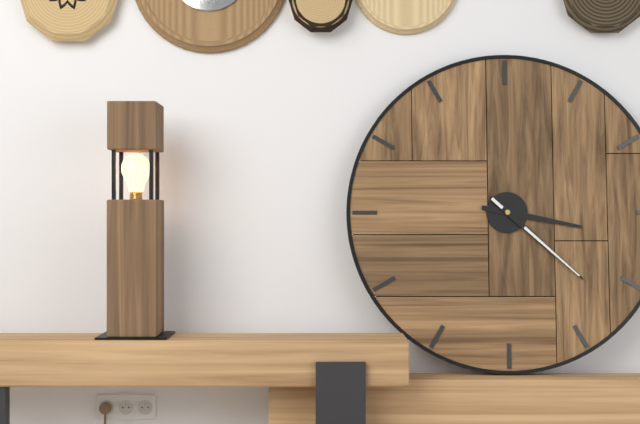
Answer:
3:22
